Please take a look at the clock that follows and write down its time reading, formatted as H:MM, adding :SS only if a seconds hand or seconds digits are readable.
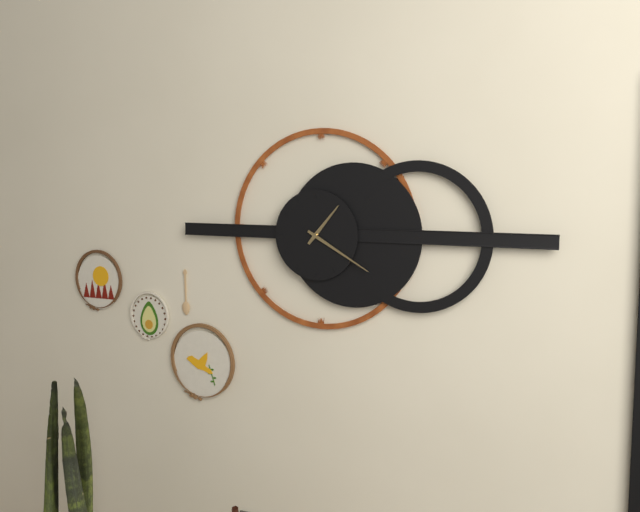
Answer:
1:20
